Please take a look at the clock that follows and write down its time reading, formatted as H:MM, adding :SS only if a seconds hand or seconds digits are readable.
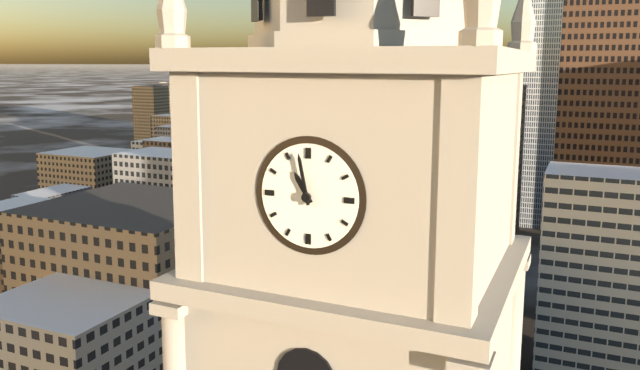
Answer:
10:58
